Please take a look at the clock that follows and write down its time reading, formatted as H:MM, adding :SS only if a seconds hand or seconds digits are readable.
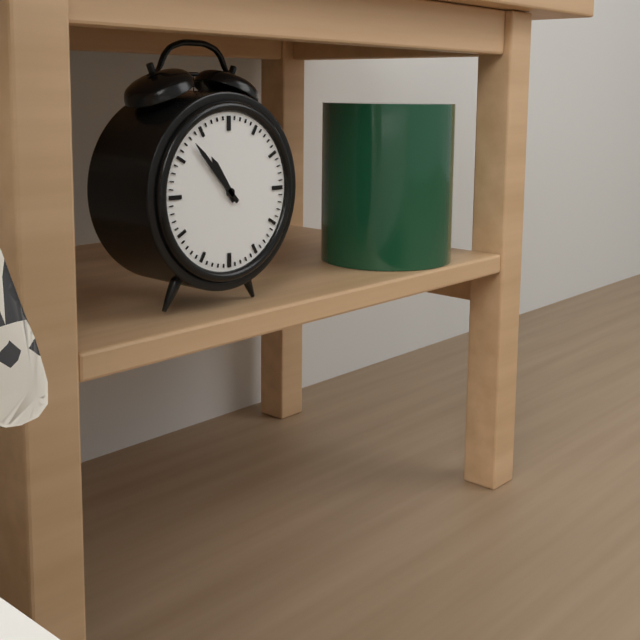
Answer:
10:53
